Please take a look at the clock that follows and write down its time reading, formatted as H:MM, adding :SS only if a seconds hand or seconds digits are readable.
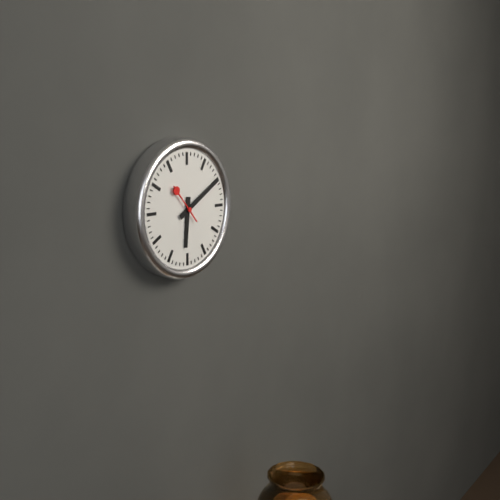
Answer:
6:10
